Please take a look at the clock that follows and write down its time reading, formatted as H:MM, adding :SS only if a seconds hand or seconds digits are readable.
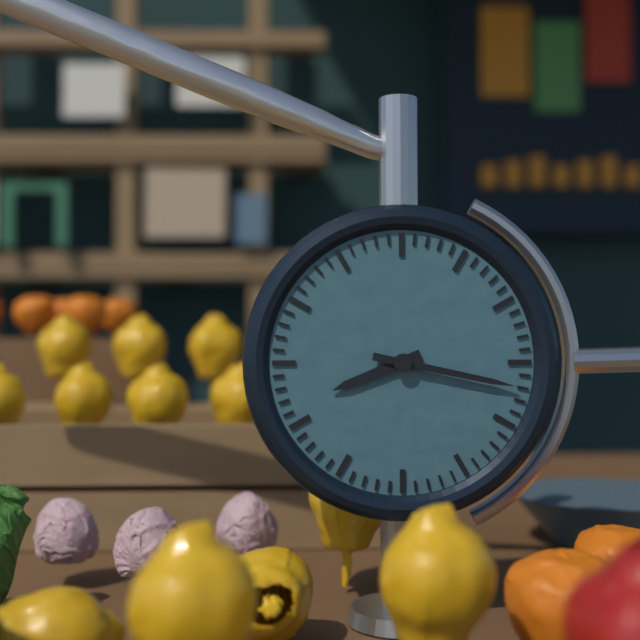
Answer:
8:17
